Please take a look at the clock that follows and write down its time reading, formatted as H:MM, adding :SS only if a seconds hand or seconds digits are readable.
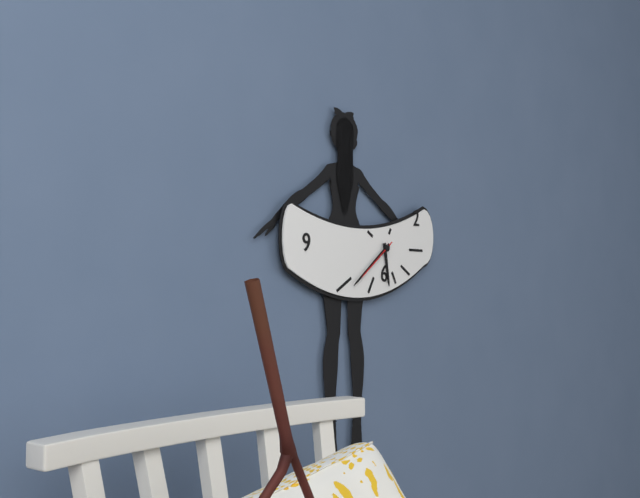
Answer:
5:39
